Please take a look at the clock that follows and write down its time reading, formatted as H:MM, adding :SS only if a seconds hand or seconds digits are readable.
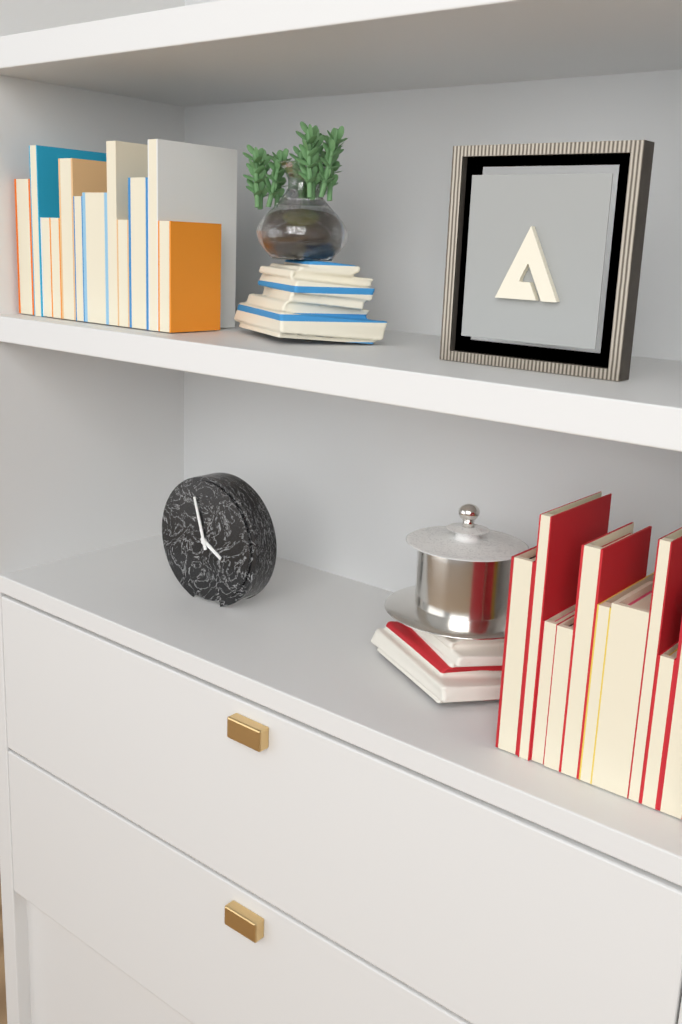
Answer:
3:57
